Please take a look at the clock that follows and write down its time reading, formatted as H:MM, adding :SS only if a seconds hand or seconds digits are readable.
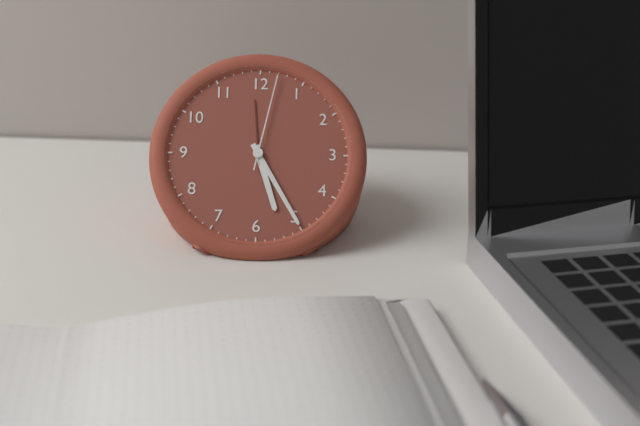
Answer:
5:25:02
